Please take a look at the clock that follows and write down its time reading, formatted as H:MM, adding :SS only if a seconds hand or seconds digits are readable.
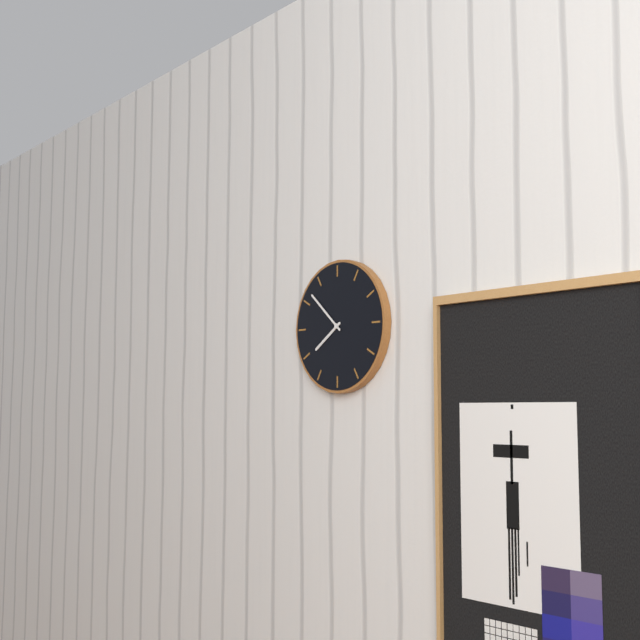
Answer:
7:52
